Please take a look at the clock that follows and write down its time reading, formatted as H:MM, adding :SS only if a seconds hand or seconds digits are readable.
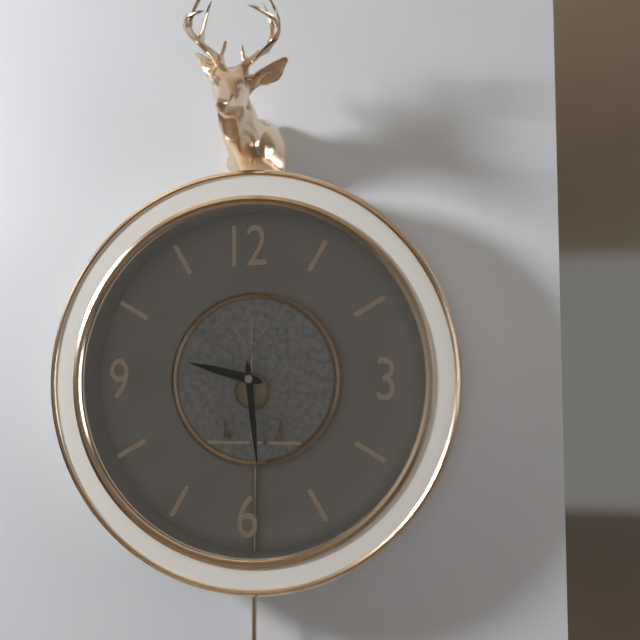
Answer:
9:29
